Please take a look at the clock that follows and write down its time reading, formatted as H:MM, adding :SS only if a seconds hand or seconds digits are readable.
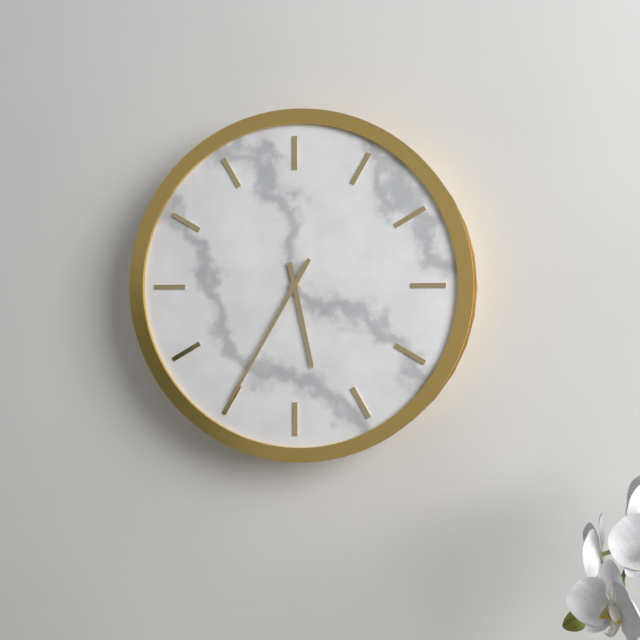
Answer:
5:35
